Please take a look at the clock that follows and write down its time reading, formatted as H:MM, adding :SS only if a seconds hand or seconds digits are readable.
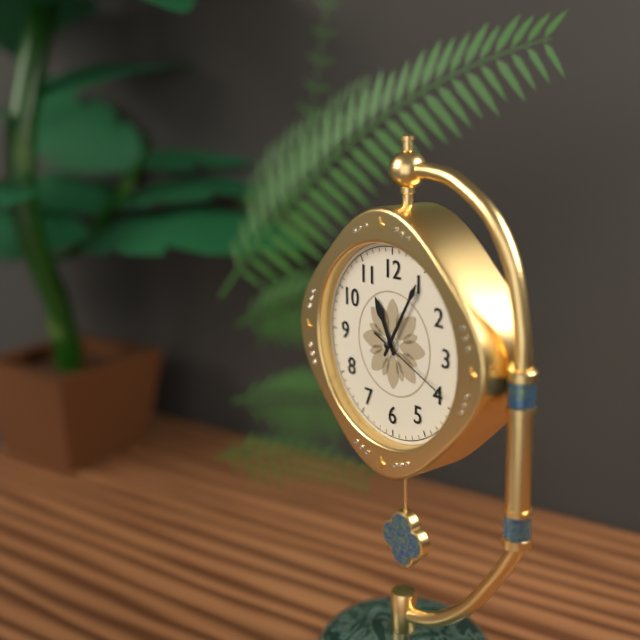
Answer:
11:05:19
